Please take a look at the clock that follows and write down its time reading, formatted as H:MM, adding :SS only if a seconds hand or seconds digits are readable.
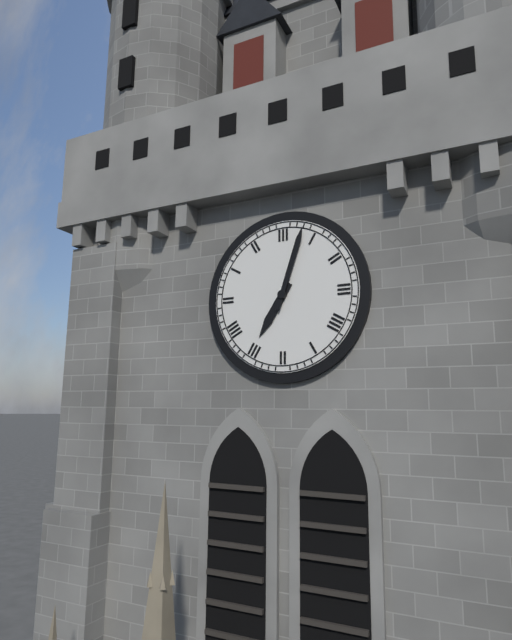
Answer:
7:03
